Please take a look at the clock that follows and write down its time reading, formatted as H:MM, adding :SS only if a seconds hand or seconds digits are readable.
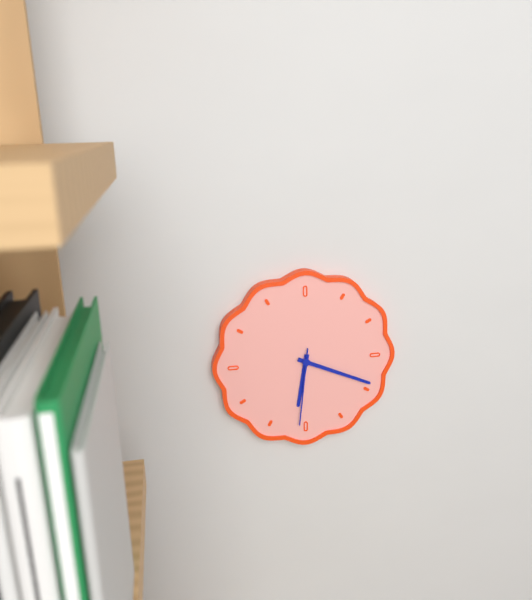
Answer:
6:19:31
